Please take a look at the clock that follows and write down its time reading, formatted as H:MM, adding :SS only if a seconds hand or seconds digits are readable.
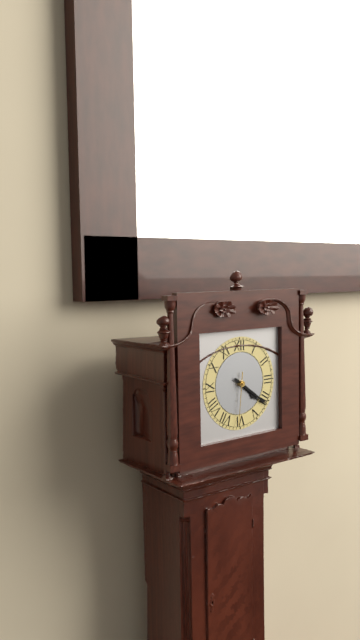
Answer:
4:21:31
